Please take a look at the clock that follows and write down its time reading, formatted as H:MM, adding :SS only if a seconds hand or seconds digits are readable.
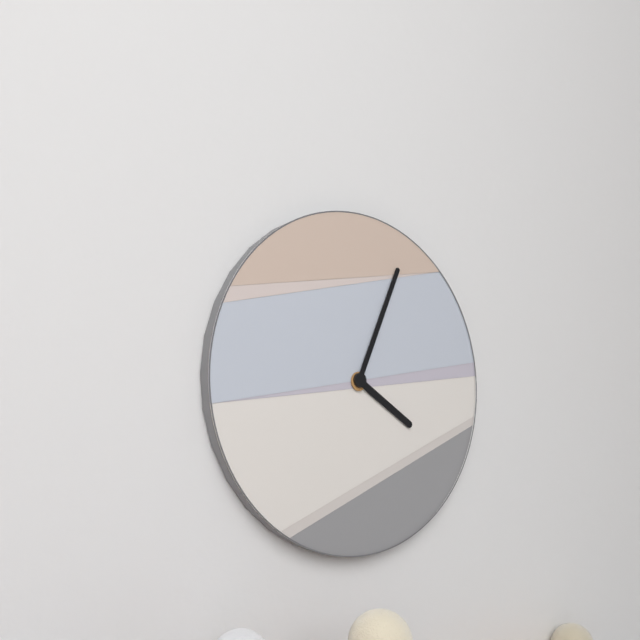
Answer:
4:04
